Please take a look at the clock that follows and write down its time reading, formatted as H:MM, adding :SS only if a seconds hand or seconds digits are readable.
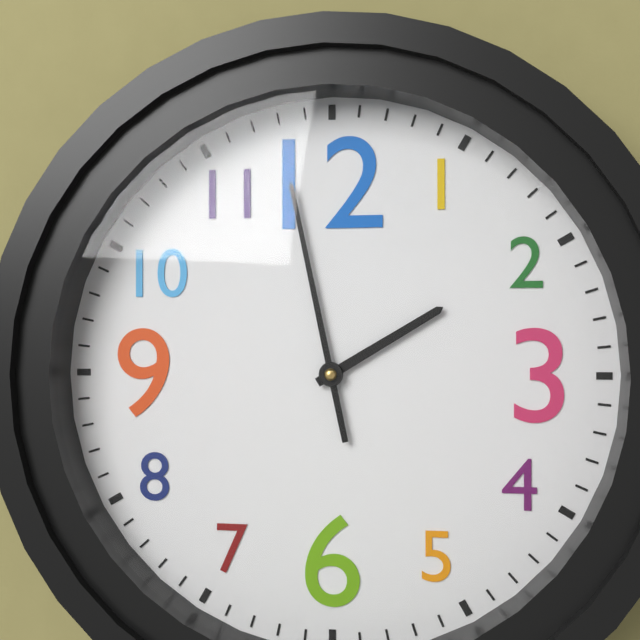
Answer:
1:58
